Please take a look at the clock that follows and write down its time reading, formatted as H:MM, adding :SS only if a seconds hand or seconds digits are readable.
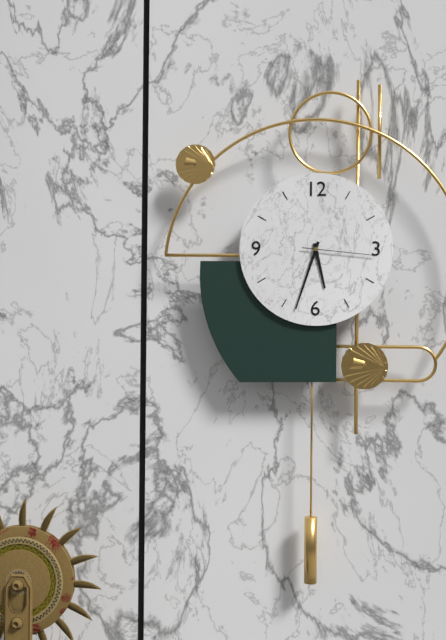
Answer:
5:33:16
